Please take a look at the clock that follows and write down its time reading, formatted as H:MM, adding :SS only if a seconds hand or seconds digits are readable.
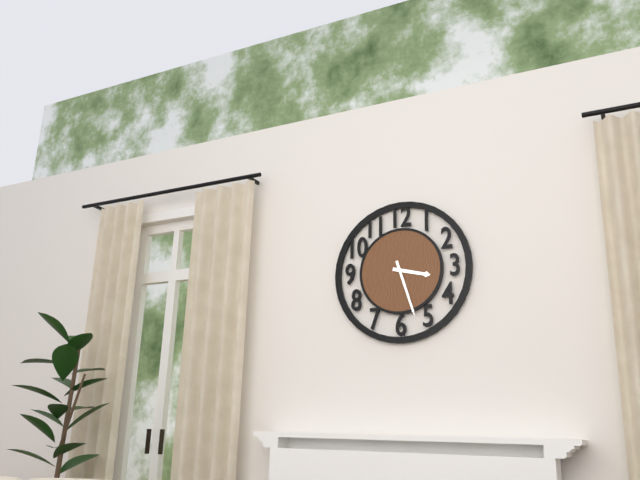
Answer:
3:27
